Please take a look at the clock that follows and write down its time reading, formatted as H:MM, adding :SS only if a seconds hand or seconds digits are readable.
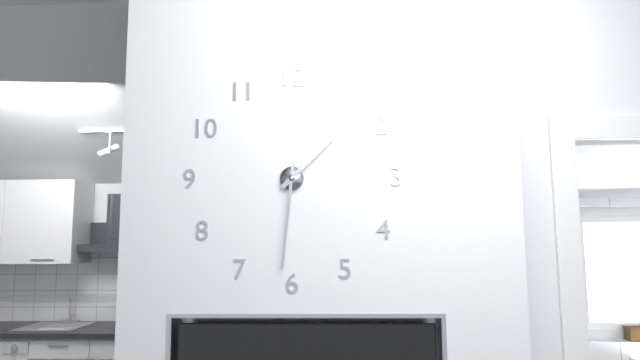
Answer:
1:31
